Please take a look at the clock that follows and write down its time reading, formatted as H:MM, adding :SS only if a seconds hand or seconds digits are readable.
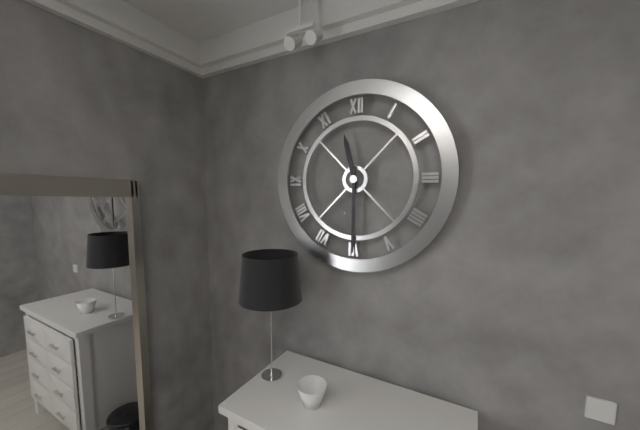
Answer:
11:30
